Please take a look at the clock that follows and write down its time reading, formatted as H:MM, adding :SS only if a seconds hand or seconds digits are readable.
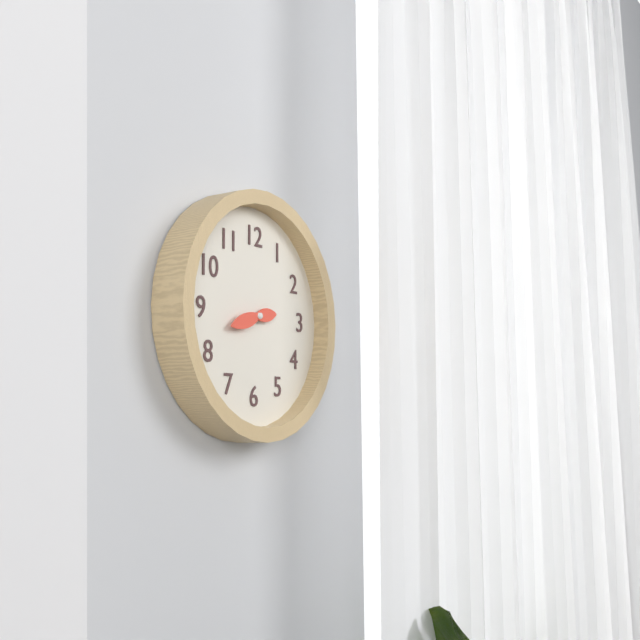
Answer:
2:42
